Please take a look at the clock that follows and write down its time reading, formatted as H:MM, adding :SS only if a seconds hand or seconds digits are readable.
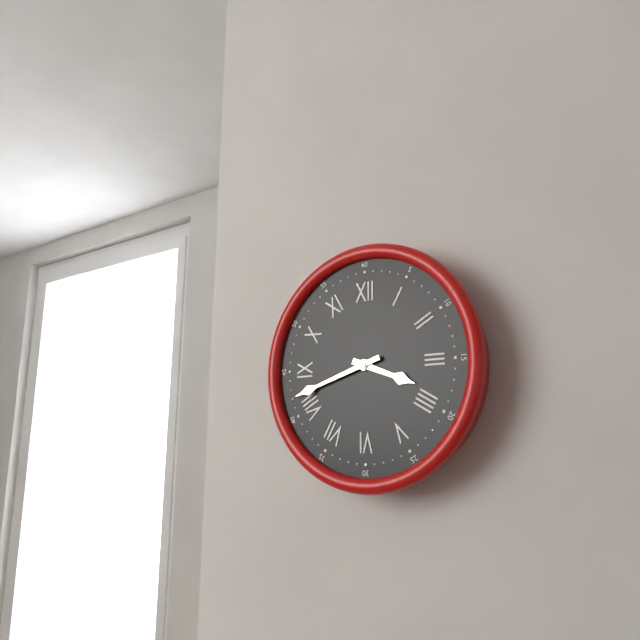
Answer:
3:42
